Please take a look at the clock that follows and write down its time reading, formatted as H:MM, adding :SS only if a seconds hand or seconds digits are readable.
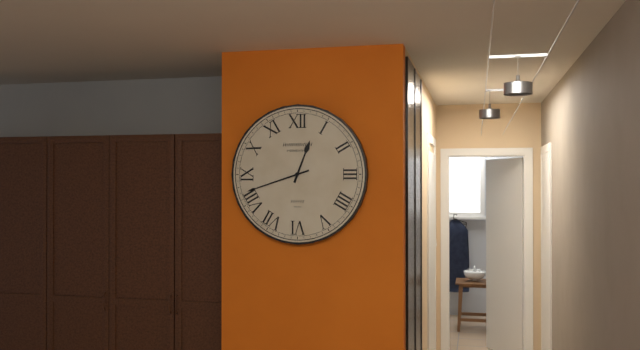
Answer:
12:42
